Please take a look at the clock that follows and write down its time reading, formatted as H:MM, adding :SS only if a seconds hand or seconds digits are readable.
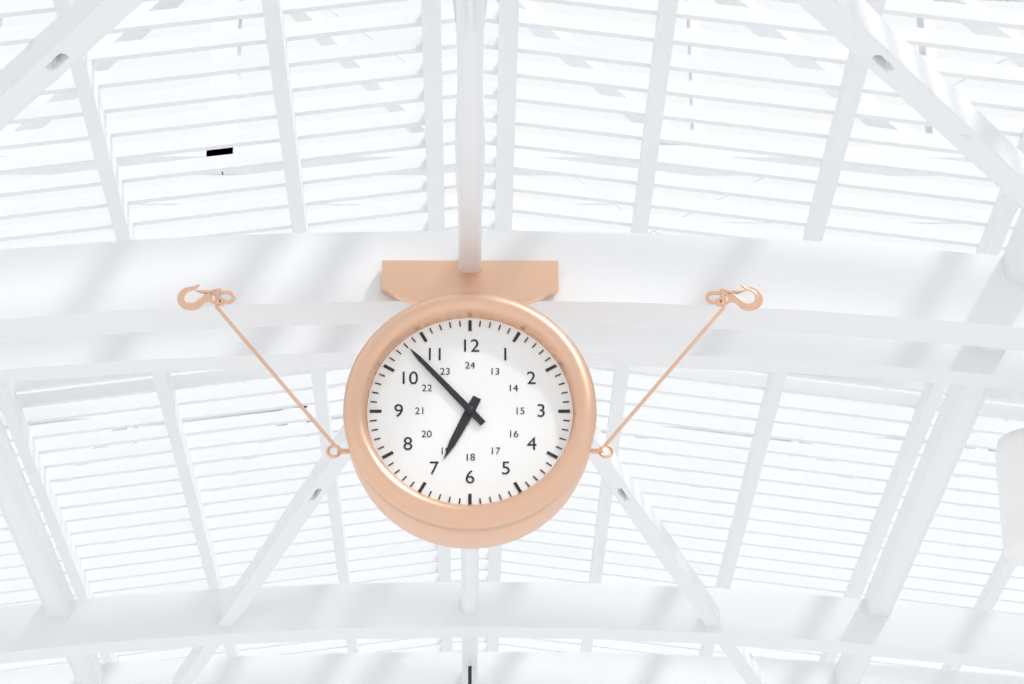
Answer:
6:53
